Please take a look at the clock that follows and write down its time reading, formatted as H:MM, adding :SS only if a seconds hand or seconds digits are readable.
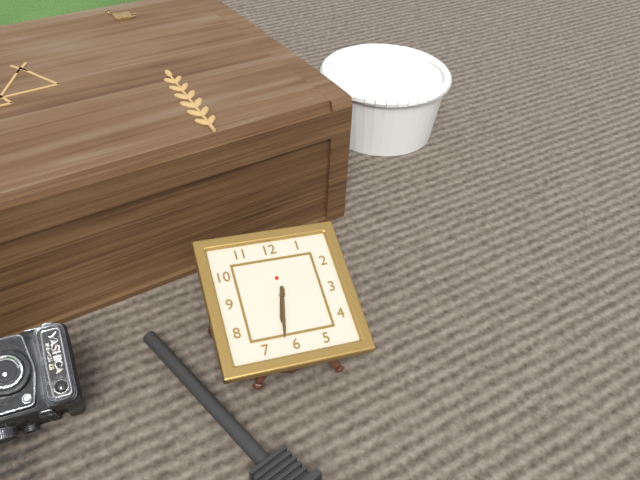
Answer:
6:32
